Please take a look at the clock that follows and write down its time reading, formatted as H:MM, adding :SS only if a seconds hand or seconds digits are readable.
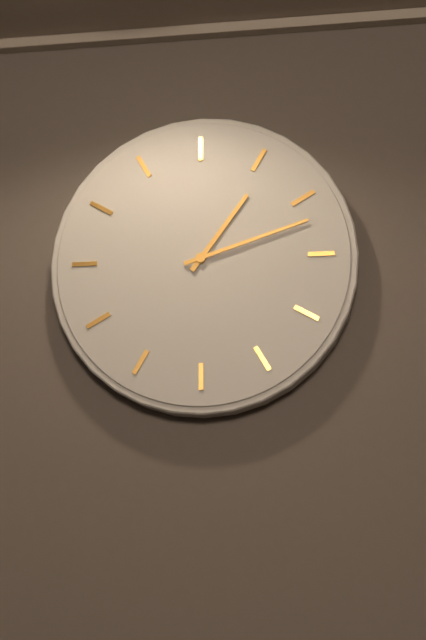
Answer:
1:12
